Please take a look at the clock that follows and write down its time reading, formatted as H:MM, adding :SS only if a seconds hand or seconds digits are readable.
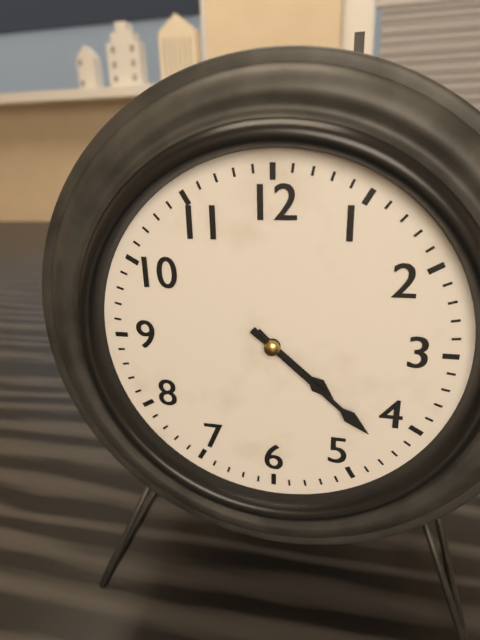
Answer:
4:22
